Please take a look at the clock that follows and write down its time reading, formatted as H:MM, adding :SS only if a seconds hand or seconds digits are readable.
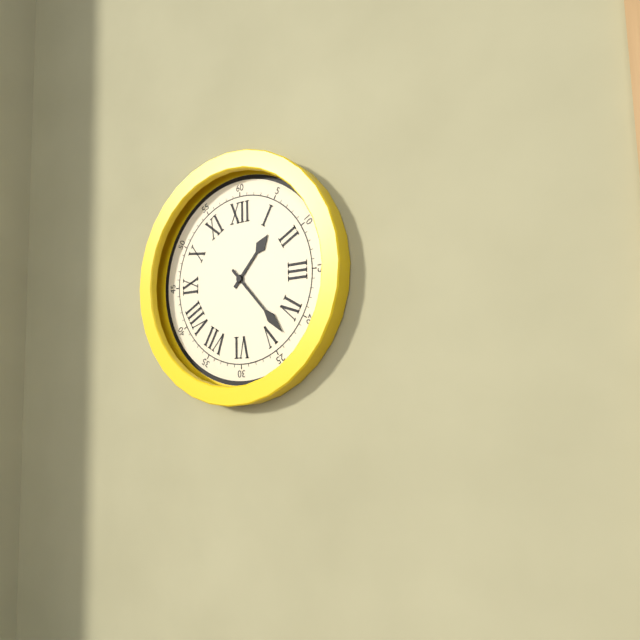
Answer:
1:23
